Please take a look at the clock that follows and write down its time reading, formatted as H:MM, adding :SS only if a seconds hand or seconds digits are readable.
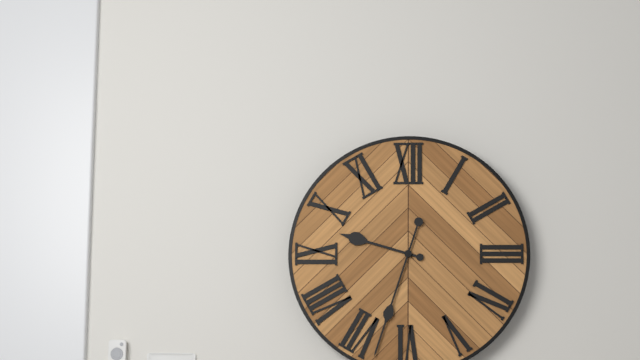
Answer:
9:33
